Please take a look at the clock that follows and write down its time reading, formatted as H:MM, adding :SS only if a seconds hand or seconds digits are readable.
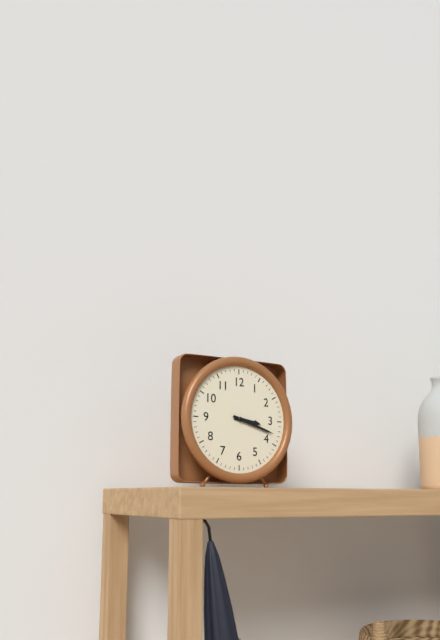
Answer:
3:18
